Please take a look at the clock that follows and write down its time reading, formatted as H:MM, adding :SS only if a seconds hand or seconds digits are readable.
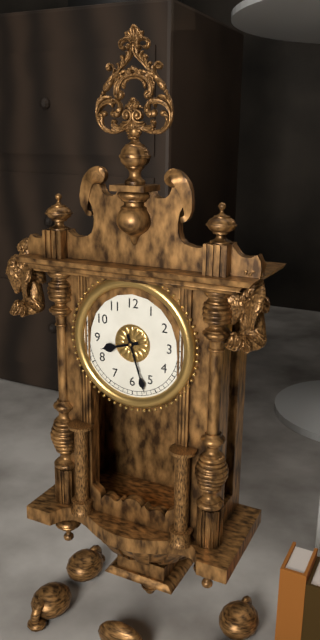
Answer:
8:27
